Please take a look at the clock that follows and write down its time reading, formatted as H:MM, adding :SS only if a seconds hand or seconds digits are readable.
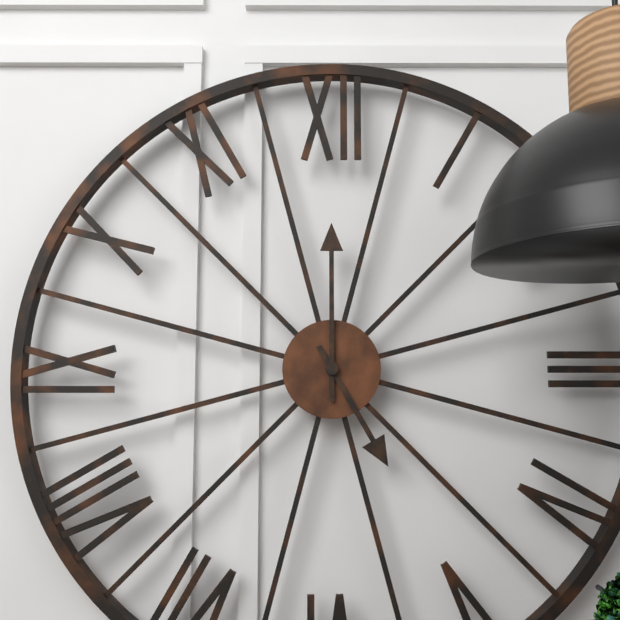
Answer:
5:00
